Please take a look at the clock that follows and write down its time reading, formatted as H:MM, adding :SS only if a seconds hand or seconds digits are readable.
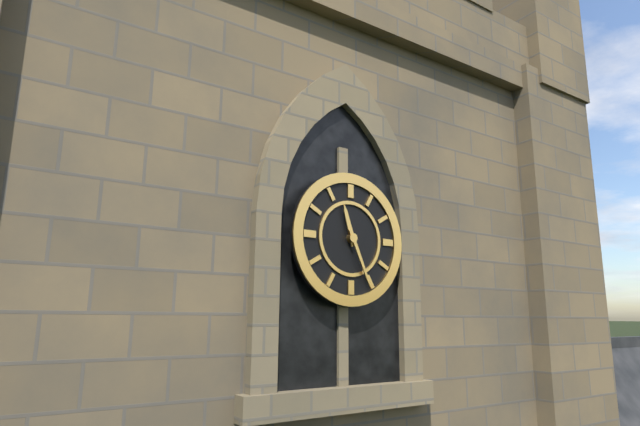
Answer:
11:26
